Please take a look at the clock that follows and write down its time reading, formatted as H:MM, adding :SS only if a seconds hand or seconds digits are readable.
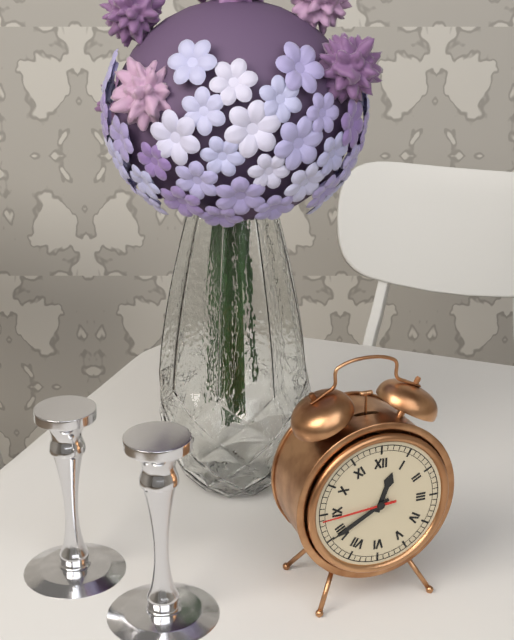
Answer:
12:40:44
